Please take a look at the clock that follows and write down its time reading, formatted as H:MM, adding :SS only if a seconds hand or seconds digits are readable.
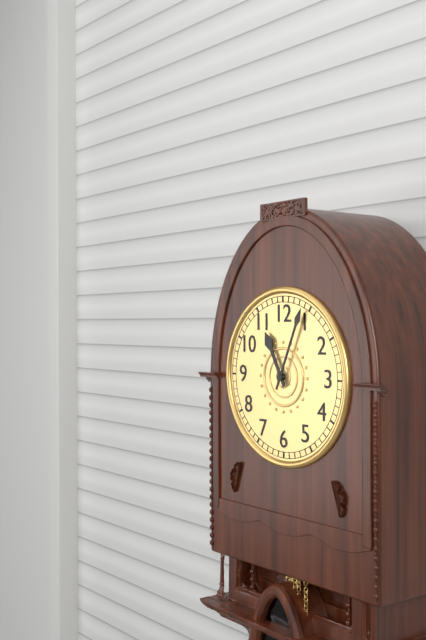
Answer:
11:04
